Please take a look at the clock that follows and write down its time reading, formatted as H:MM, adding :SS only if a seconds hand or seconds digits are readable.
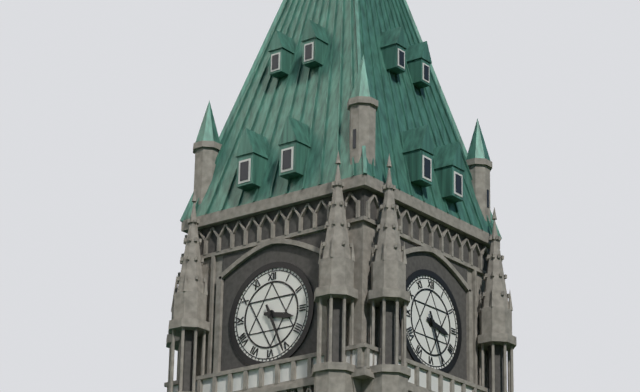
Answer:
3:26
